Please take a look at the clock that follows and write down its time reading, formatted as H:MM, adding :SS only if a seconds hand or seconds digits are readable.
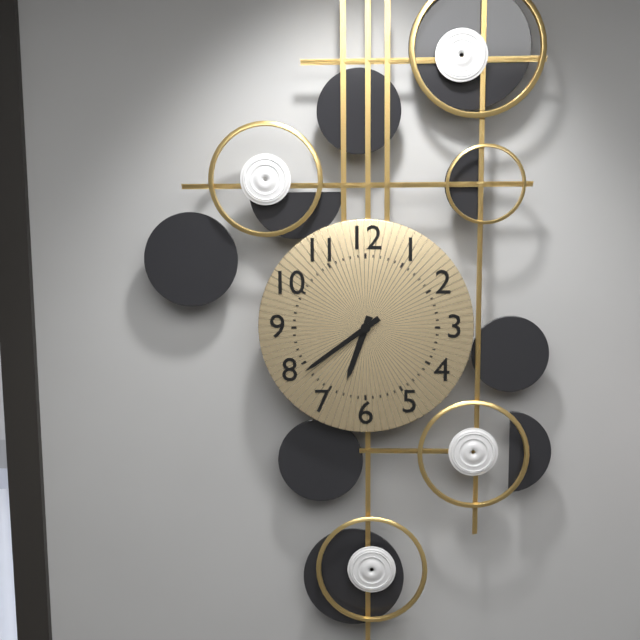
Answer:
6:39
